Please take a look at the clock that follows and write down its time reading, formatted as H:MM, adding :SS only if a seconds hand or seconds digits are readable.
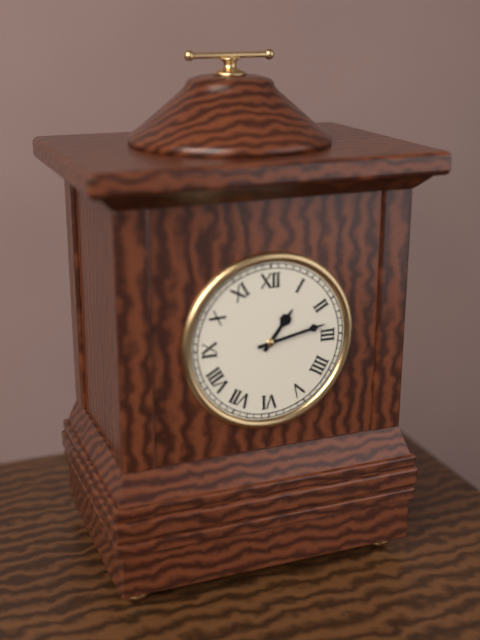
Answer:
1:13
